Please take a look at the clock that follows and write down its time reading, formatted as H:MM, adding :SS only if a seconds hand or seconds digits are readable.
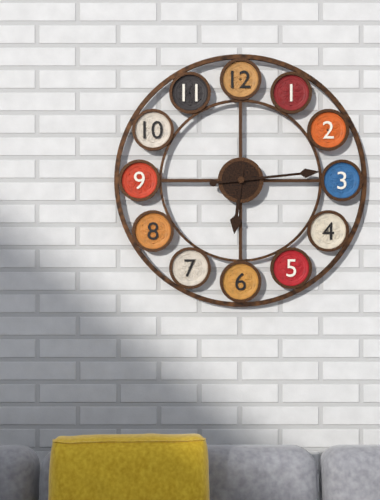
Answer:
6:14
